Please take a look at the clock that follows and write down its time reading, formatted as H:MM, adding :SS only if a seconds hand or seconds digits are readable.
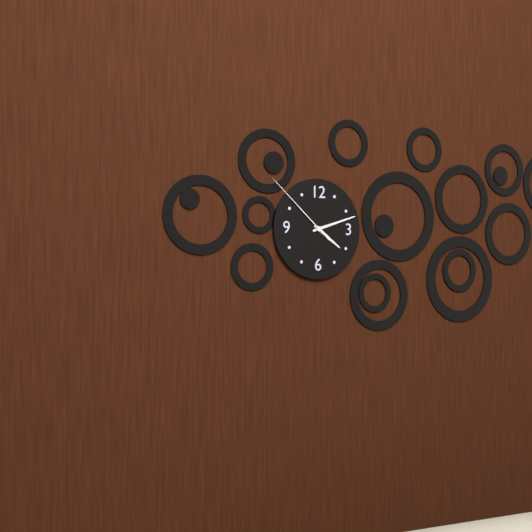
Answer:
4:12:52
